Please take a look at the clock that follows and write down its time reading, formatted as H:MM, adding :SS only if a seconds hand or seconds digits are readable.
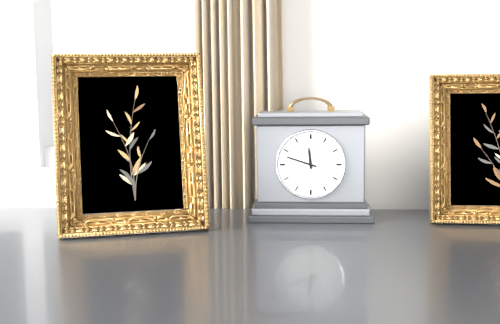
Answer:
11:48
